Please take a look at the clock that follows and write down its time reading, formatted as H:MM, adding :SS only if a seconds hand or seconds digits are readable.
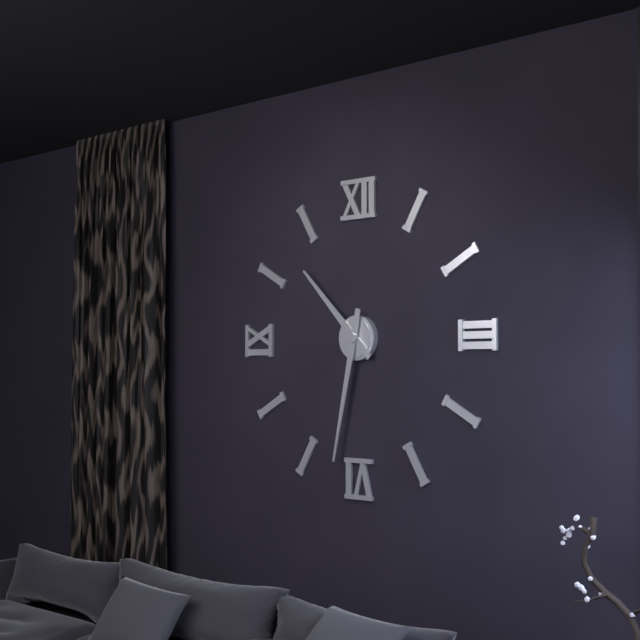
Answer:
10:32
